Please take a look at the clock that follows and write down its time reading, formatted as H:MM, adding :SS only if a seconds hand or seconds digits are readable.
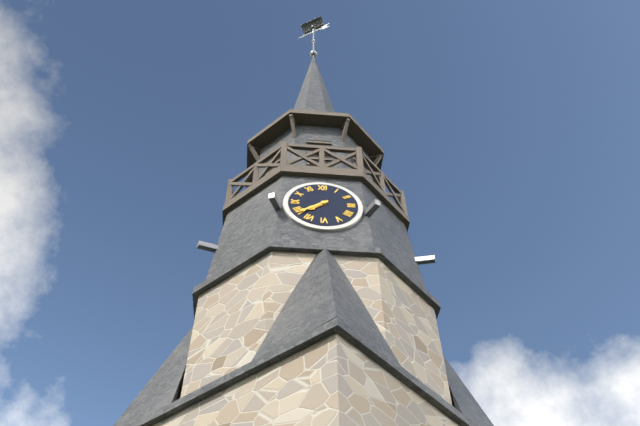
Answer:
7:39
